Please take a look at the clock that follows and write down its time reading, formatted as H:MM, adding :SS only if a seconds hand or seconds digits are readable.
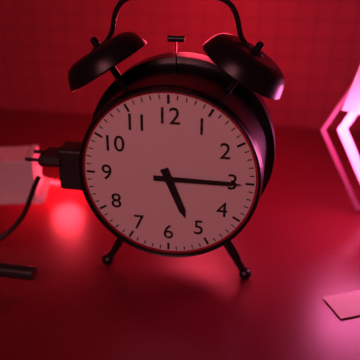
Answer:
5:15
